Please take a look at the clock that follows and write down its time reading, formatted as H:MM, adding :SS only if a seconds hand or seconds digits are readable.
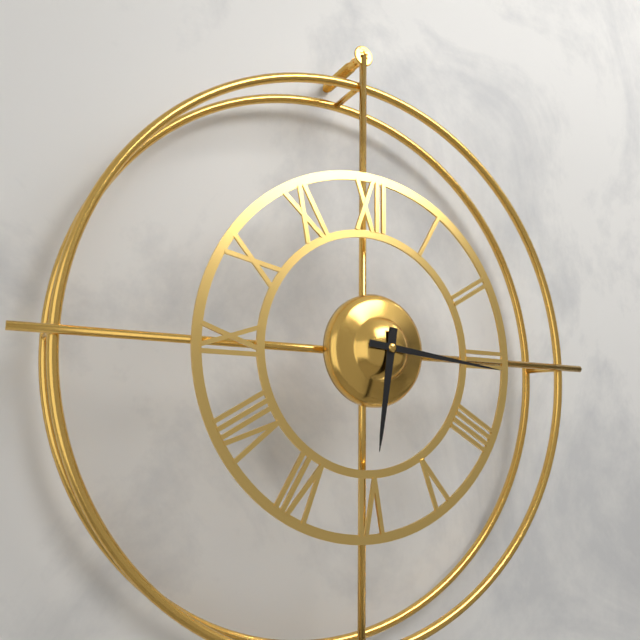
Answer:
6:16
